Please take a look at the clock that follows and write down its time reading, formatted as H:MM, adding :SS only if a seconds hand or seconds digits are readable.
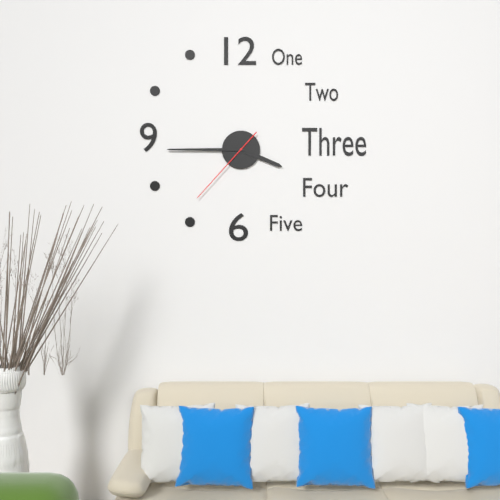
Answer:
3:45:37
